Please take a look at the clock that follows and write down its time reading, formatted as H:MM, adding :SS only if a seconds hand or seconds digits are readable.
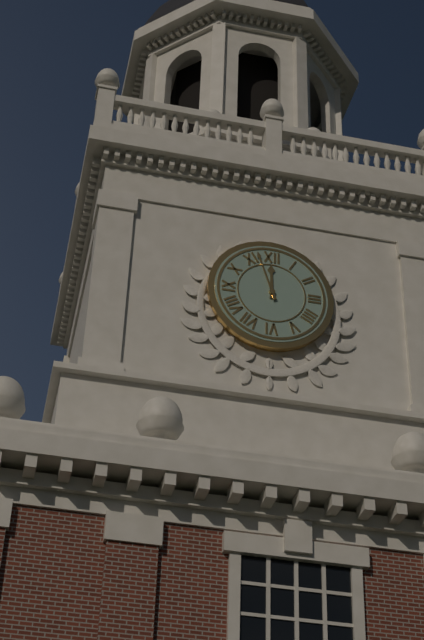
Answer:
11:57
